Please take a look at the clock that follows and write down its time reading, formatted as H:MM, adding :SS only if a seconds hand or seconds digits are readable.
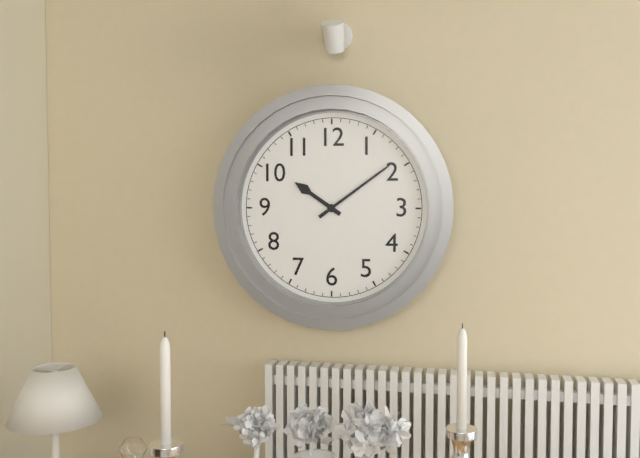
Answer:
10:09
